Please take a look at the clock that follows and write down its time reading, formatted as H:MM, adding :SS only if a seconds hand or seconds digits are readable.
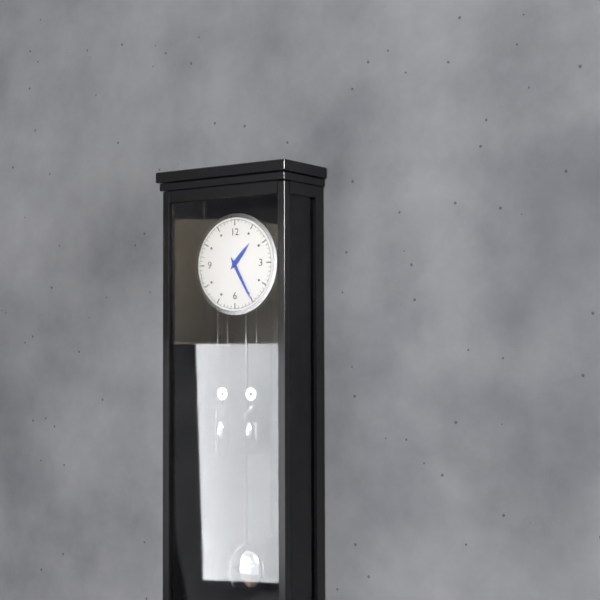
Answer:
1:25
